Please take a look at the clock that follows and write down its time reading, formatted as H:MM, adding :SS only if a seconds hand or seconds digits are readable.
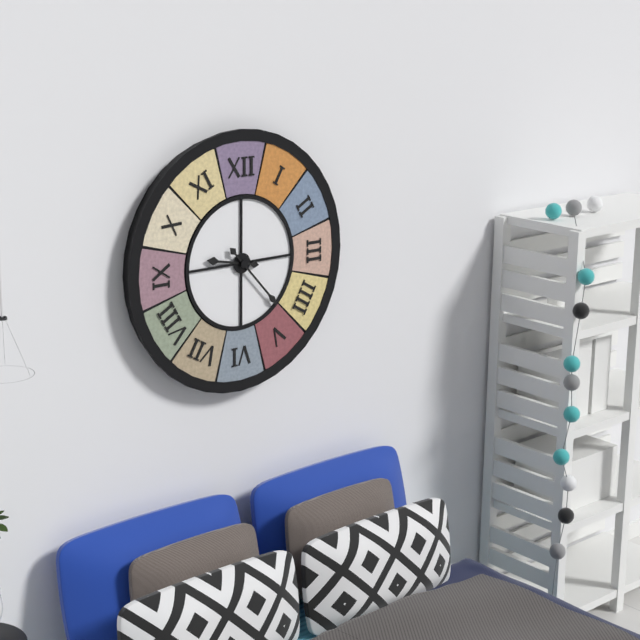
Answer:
9:23
